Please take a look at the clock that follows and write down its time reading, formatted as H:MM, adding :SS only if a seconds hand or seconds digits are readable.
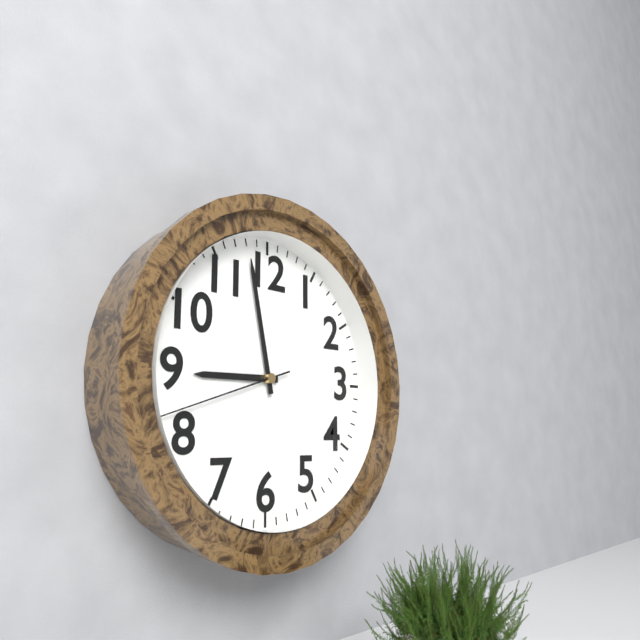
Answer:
8:58:42
